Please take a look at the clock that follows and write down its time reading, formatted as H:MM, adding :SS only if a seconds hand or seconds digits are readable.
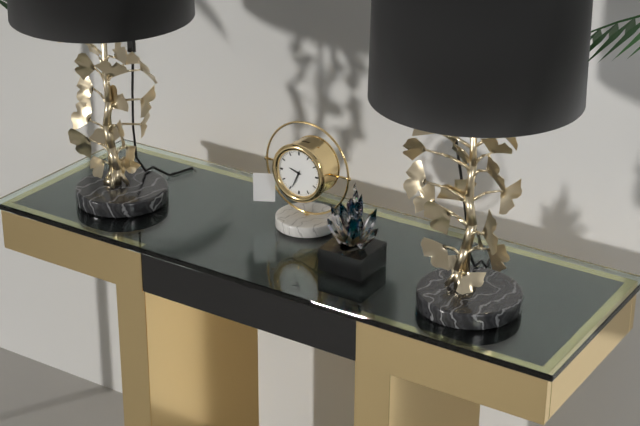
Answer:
9:34
